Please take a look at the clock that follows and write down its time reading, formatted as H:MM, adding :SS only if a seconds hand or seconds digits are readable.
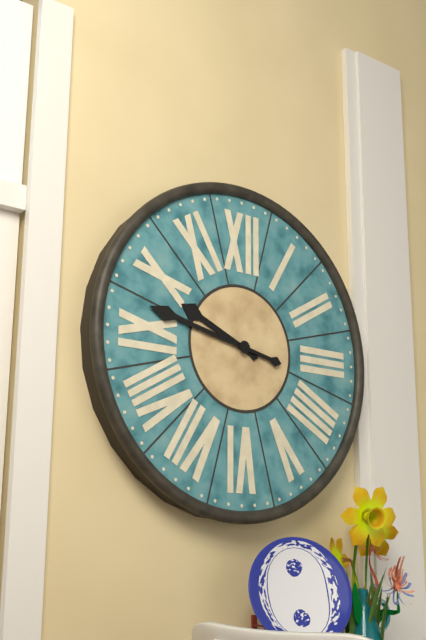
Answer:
9:47
